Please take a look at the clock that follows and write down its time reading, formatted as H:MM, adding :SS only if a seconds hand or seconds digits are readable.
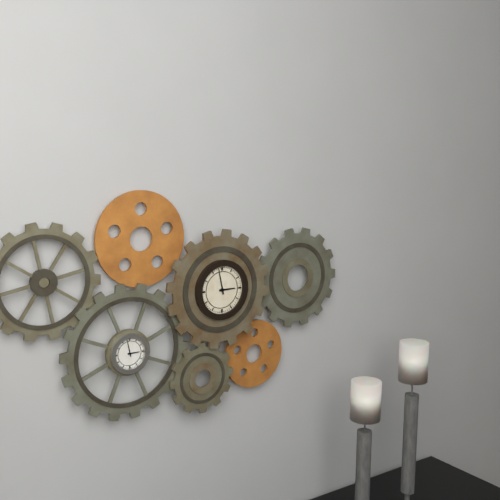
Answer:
2:58
